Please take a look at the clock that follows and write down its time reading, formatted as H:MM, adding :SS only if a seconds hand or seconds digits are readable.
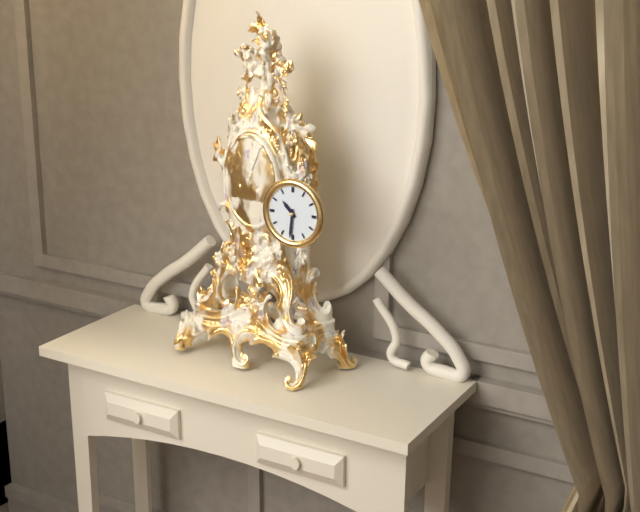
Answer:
10:31
